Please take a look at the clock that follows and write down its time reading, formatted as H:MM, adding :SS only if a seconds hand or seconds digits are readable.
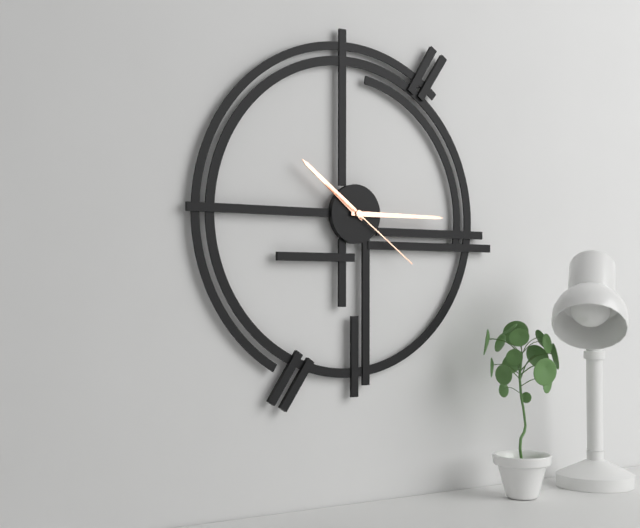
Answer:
10:15:21
